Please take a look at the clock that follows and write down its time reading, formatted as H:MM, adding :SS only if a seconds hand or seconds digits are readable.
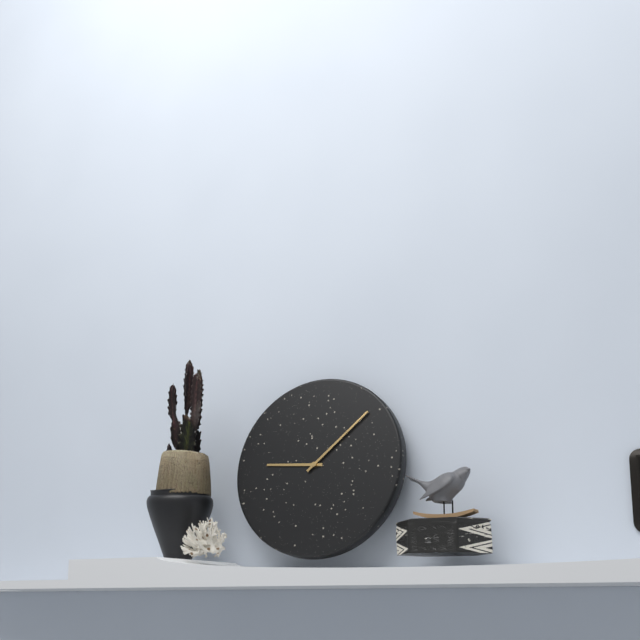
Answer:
9:08
